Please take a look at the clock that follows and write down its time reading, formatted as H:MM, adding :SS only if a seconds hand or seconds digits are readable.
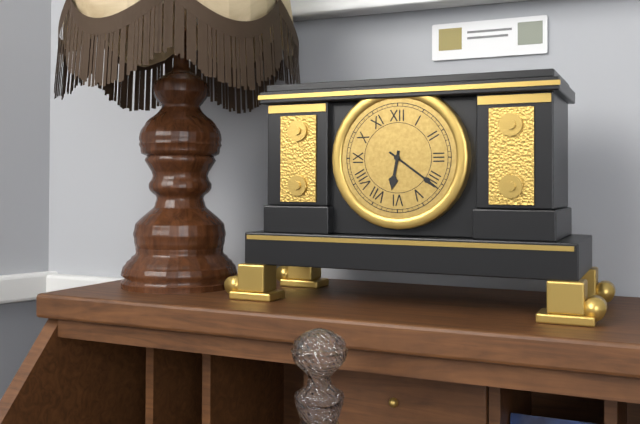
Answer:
6:21
